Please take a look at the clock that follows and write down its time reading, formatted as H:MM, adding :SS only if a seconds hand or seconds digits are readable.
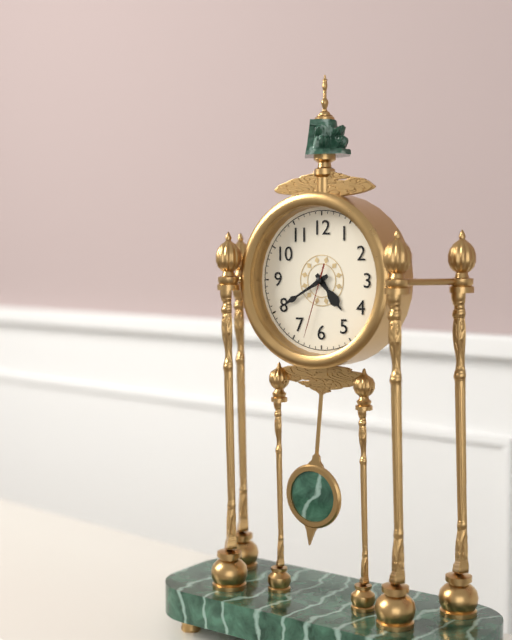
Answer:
4:40:33
